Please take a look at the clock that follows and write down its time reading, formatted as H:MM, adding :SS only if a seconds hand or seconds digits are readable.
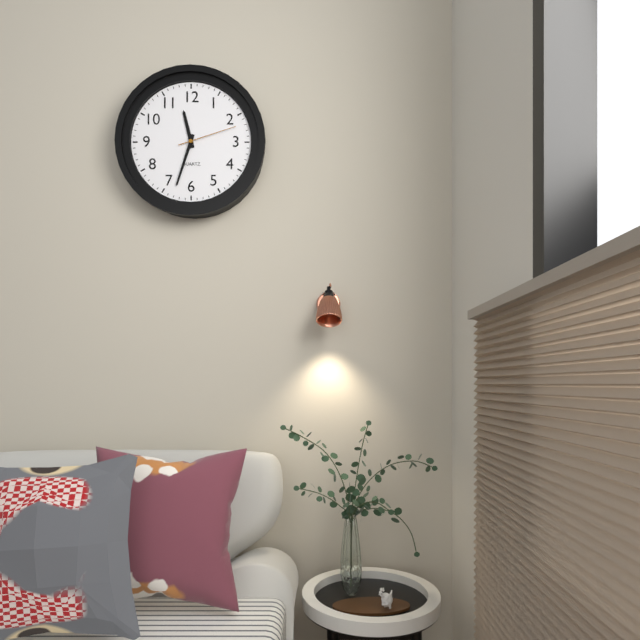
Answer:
11:33:12
